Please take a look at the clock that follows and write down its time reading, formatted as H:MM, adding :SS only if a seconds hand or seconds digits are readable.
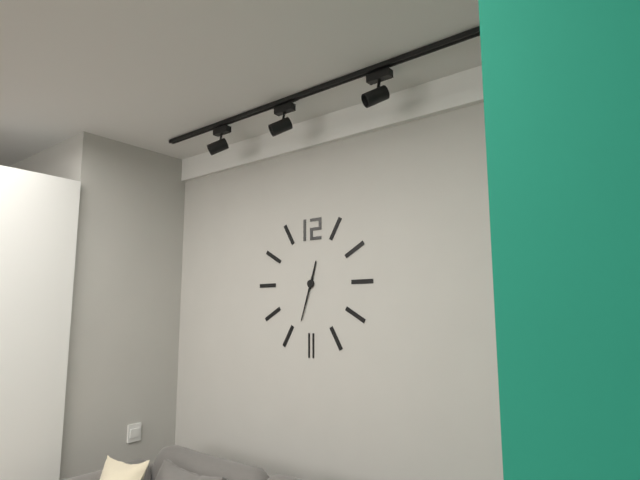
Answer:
12:33
